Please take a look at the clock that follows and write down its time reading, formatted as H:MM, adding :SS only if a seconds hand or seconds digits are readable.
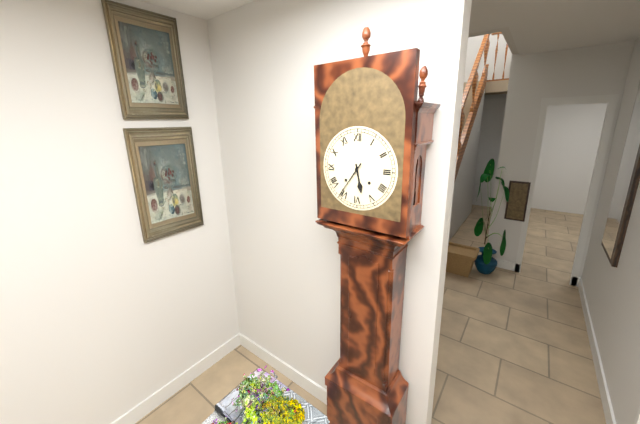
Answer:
5:36
